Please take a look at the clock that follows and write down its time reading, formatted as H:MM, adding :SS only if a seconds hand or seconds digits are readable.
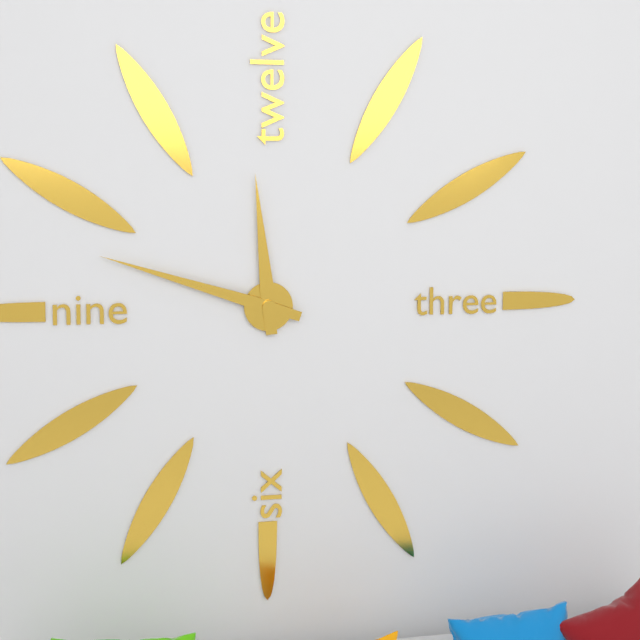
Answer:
11:48
